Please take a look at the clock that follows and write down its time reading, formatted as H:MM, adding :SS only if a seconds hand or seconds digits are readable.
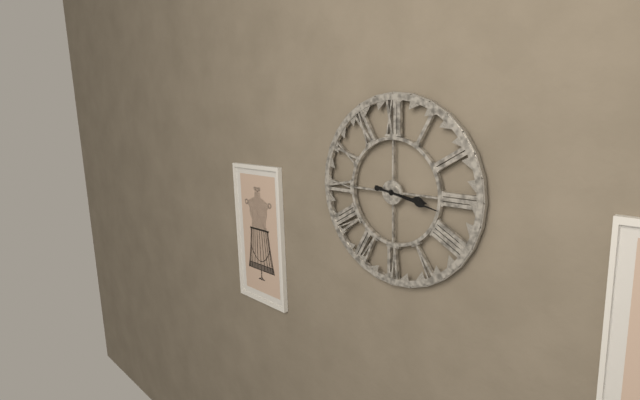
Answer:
3:17
